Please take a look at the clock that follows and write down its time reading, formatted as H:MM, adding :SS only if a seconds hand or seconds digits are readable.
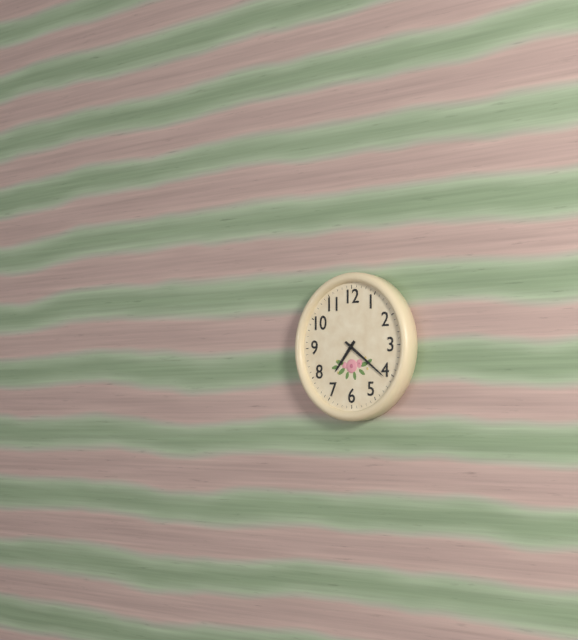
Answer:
7:21
